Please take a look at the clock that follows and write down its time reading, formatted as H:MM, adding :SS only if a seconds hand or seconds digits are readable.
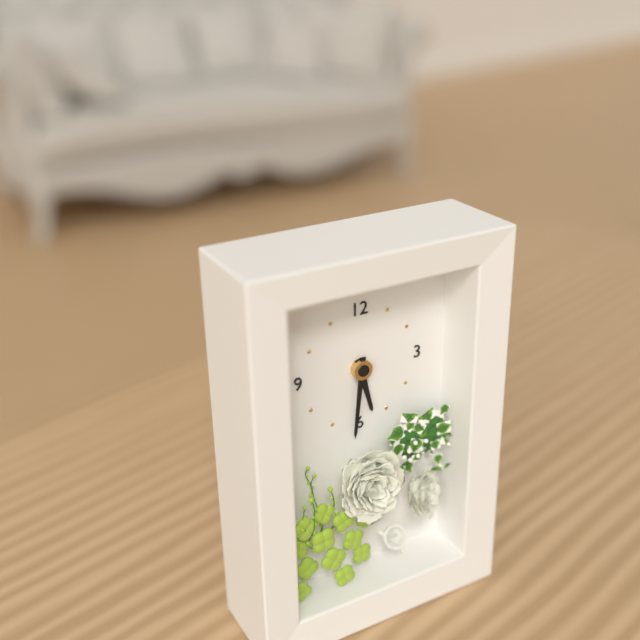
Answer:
5:31
